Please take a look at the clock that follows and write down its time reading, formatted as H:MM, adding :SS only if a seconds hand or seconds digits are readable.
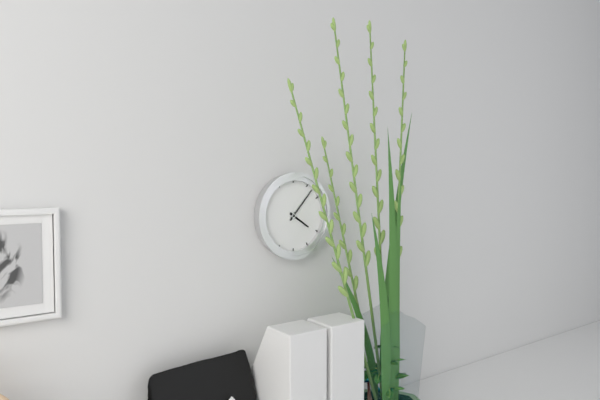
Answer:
4:07
